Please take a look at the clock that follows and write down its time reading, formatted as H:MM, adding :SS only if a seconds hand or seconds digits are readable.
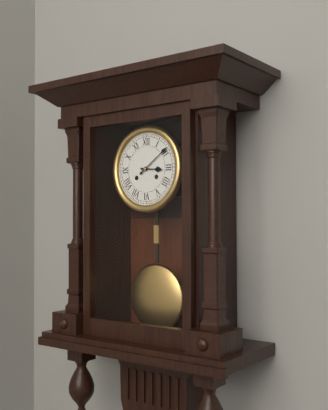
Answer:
3:09
